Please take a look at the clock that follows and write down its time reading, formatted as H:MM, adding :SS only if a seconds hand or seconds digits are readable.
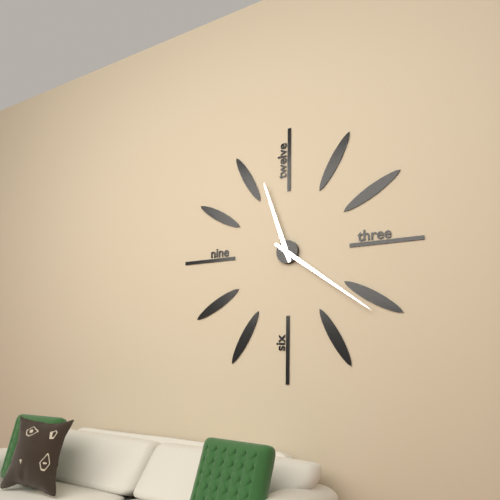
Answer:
11:21
